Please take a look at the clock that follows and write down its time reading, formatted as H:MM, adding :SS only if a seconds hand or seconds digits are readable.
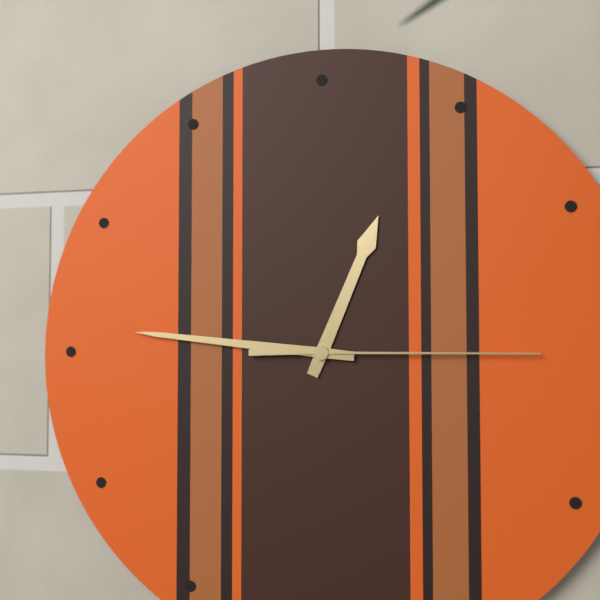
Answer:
12:46:15
